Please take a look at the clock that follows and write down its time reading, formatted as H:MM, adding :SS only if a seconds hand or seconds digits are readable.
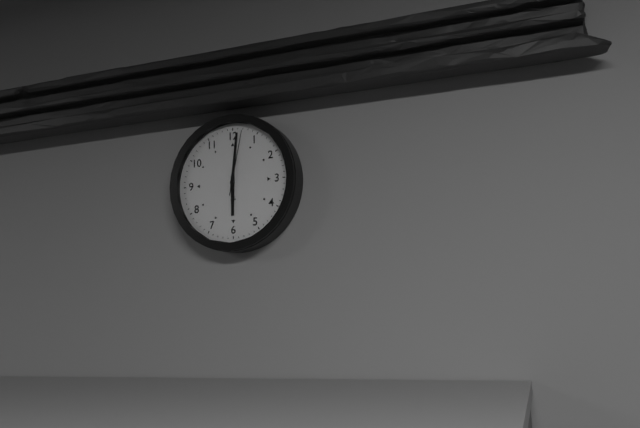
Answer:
6:01:02
